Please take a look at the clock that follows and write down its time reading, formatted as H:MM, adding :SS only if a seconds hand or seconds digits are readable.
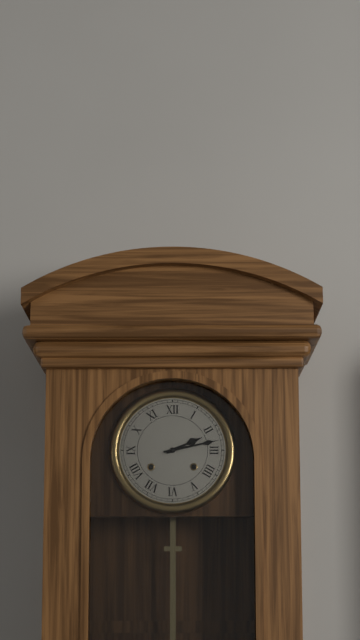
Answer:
2:13
